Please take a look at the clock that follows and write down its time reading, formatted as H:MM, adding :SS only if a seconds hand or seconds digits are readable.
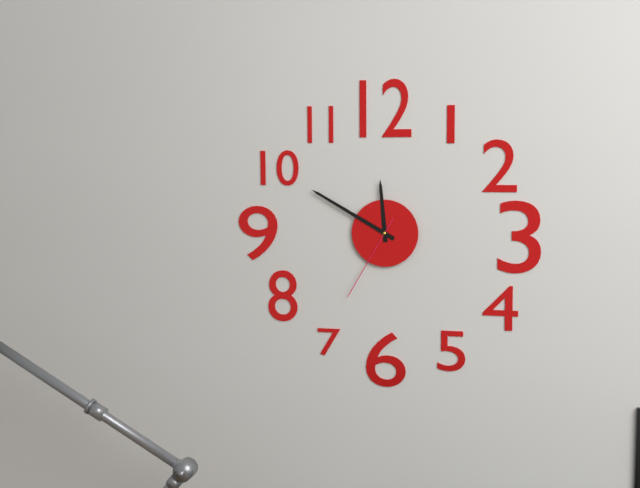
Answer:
11:50:35
